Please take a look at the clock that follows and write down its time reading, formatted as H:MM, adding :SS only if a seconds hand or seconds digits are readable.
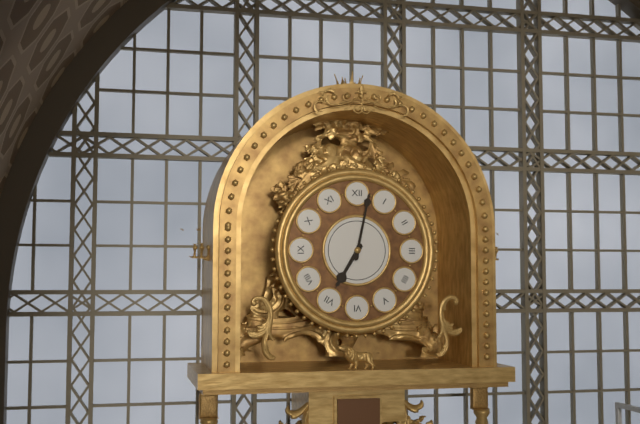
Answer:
7:02
